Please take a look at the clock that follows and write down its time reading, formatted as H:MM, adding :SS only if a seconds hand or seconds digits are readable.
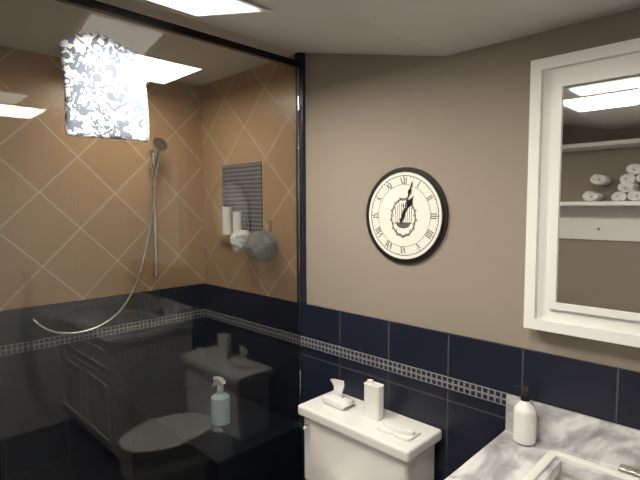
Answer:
1:03
